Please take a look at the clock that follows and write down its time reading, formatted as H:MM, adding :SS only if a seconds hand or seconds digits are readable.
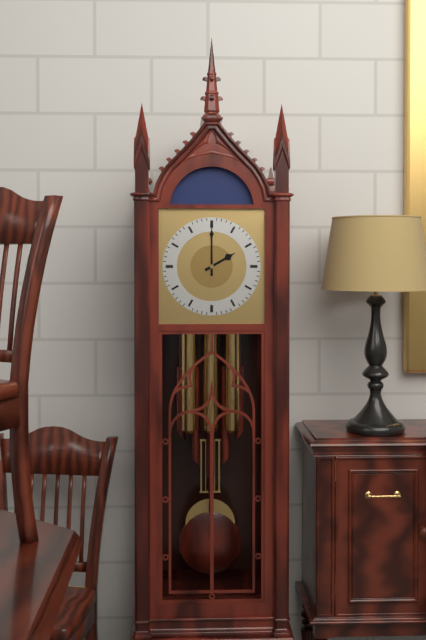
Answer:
2:00
